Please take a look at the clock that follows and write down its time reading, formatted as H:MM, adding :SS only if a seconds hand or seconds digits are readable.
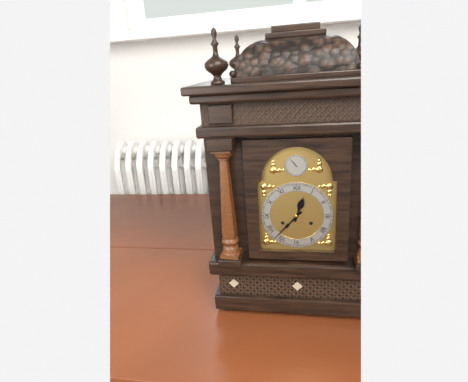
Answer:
12:37
